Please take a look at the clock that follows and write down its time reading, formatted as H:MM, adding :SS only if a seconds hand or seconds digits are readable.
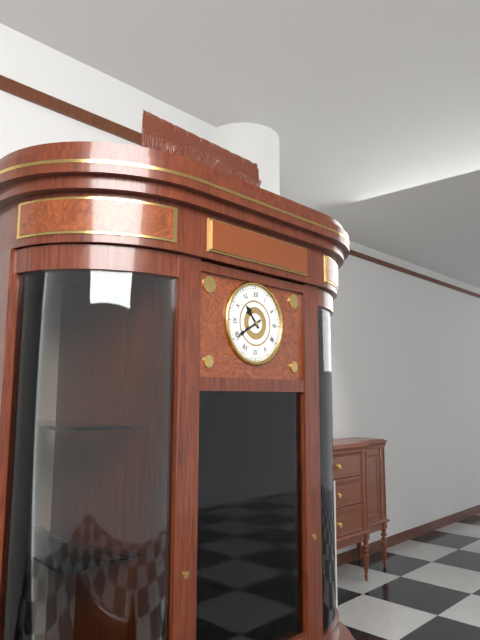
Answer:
10:40
